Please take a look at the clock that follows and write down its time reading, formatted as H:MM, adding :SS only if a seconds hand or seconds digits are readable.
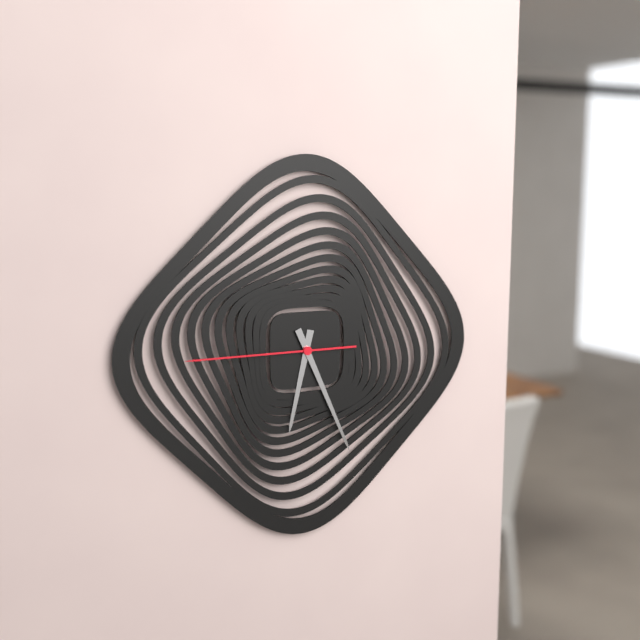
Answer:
6:26:45
